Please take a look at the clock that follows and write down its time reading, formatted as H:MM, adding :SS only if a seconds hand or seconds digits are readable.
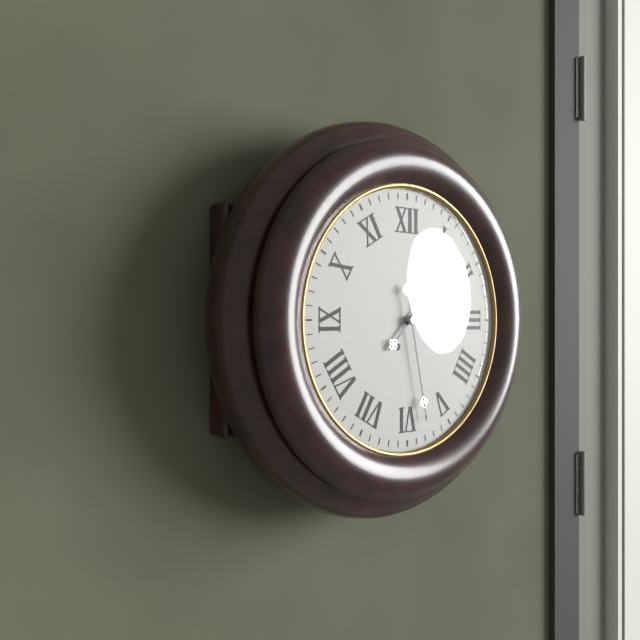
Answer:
1:28
